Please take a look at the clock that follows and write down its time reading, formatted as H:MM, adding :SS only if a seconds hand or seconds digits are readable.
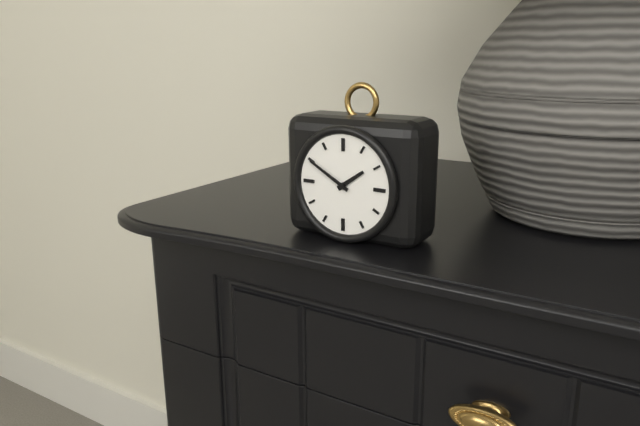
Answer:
1:50
